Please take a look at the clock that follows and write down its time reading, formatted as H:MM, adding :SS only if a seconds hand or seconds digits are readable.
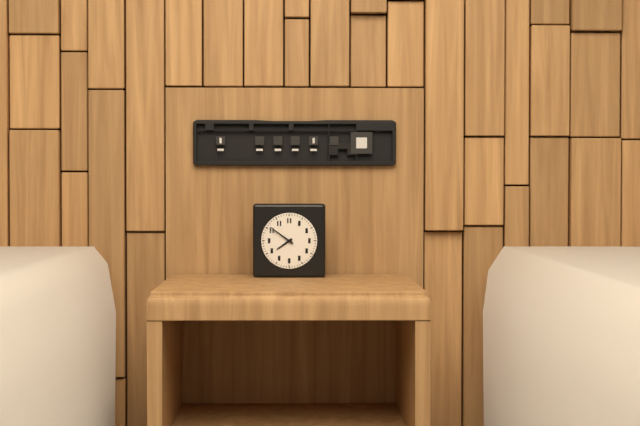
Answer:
7:51
